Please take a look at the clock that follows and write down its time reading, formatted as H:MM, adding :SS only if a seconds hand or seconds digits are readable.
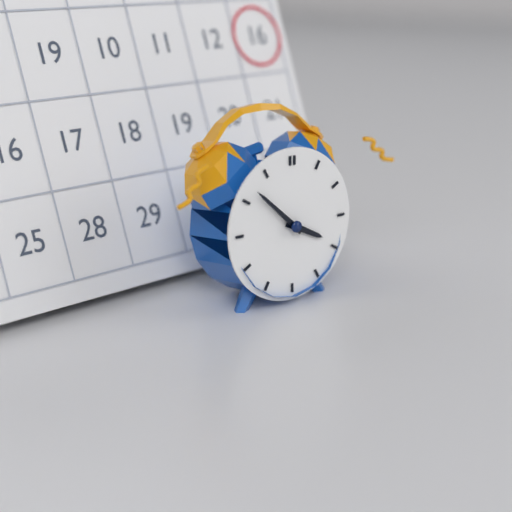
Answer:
3:52
